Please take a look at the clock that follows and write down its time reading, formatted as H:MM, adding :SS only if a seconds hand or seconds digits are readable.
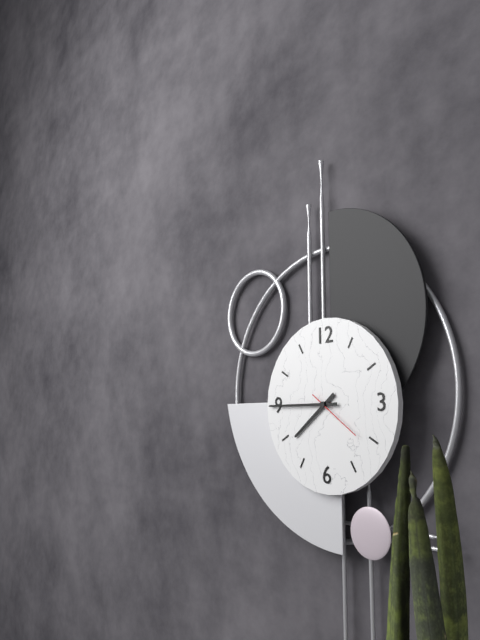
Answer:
7:45:21
